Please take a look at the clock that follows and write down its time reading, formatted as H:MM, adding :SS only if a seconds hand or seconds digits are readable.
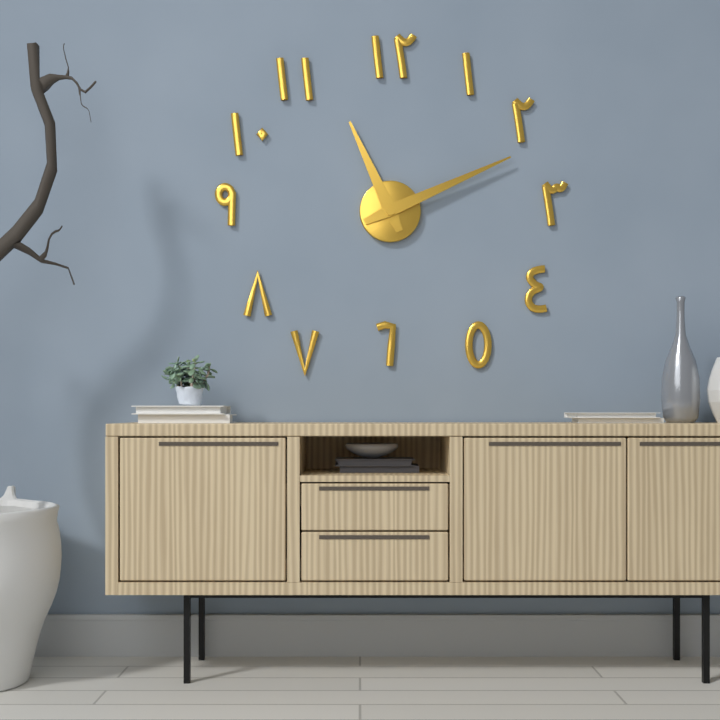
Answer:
11:11
